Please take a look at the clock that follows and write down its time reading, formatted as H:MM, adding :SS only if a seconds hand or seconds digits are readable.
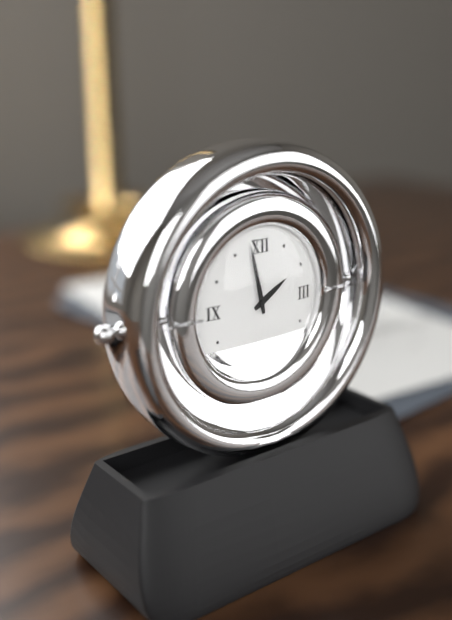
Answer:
1:58
